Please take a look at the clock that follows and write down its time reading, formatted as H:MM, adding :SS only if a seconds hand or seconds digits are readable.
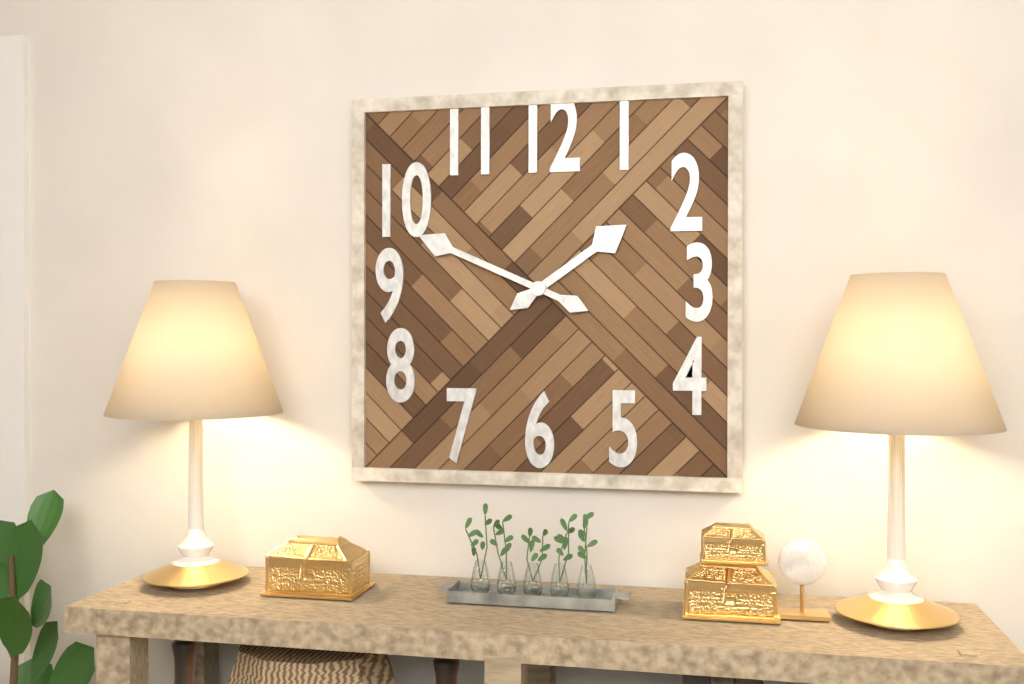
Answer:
1:49
